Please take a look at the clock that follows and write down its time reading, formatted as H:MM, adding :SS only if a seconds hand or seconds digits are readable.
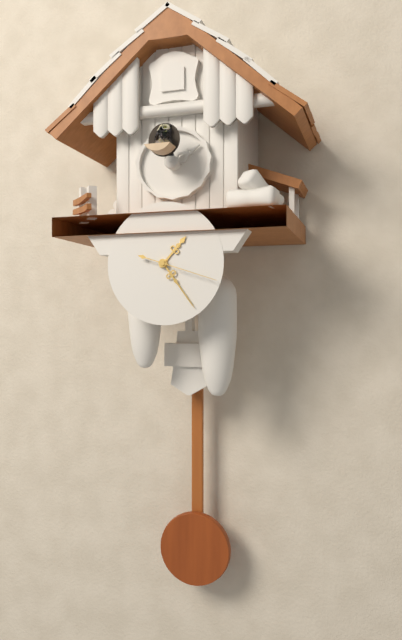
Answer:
1:24:18
